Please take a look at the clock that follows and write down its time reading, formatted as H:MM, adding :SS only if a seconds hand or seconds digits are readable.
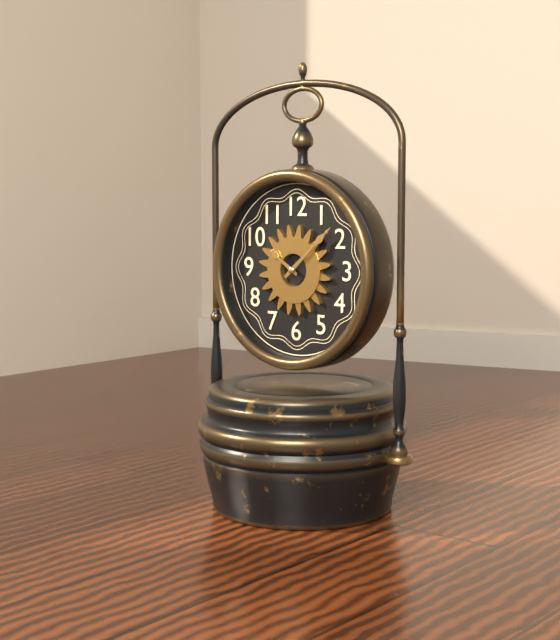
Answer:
10:08
